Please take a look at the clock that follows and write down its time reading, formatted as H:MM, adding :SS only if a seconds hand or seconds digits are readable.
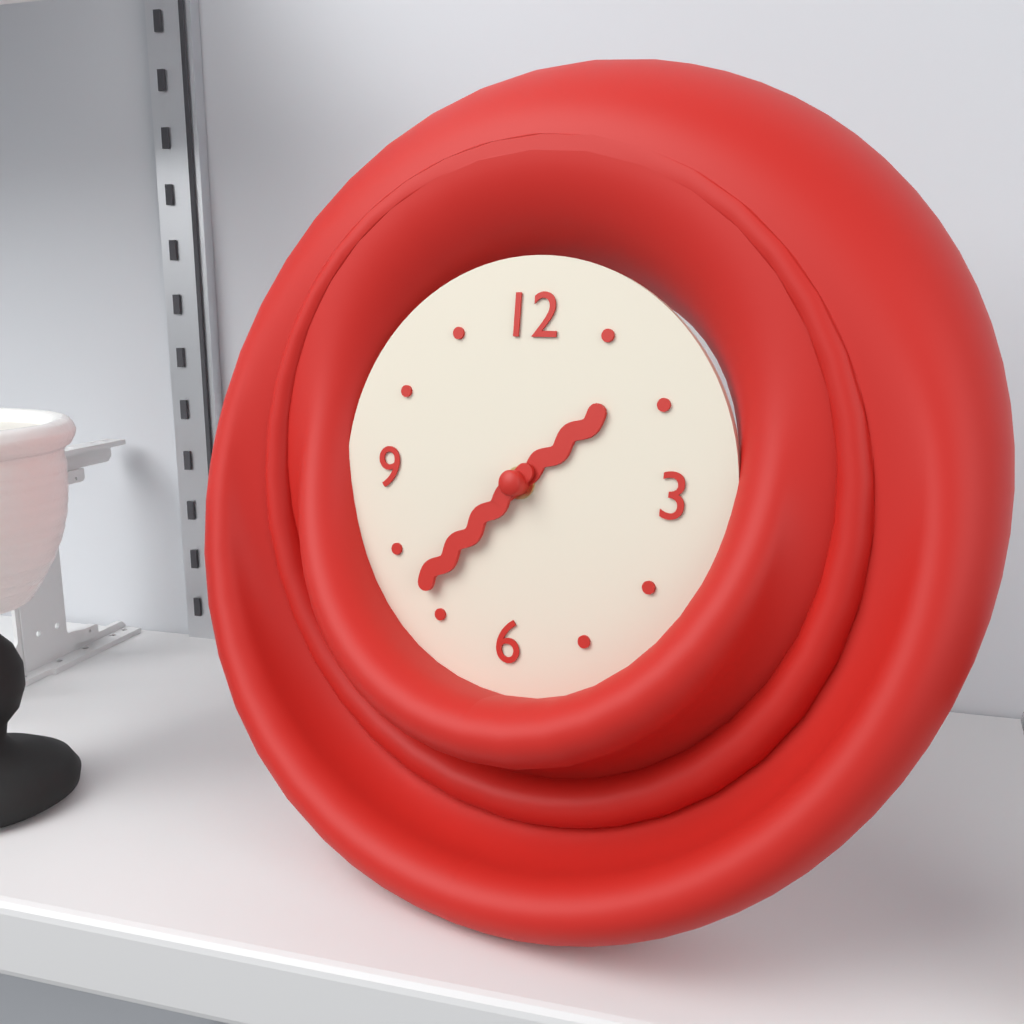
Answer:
1:37
